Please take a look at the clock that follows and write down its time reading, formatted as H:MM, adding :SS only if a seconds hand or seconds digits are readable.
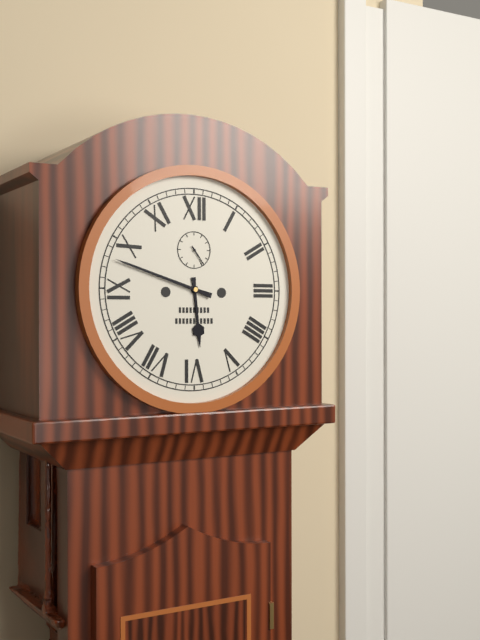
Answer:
5:48
